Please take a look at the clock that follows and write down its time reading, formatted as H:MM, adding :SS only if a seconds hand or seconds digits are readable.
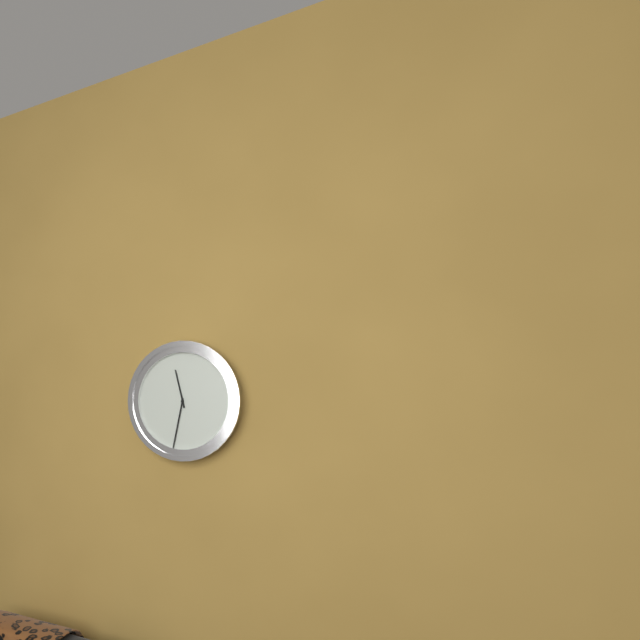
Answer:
11:32
